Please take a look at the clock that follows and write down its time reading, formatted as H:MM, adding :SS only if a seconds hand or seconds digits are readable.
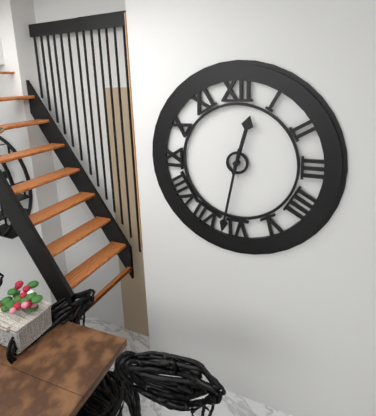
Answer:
12:32
